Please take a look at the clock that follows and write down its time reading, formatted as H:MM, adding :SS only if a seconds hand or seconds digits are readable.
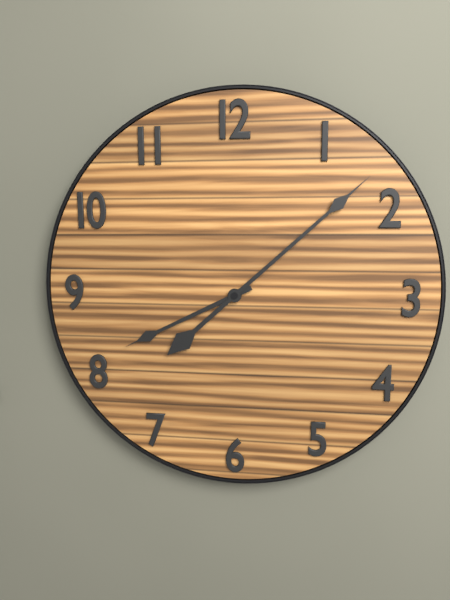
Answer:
8:08
